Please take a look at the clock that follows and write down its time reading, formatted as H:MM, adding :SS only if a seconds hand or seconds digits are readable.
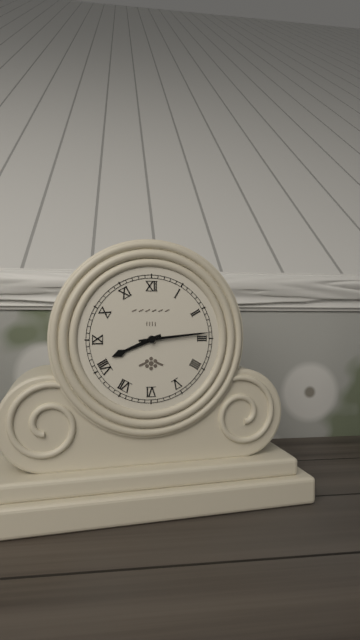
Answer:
8:14
